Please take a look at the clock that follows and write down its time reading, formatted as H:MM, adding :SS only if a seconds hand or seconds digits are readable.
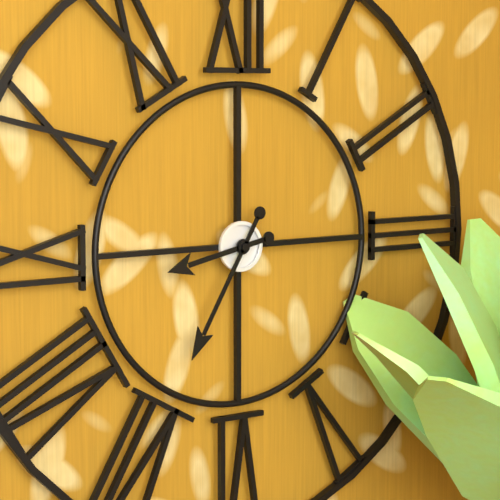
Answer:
8:35
